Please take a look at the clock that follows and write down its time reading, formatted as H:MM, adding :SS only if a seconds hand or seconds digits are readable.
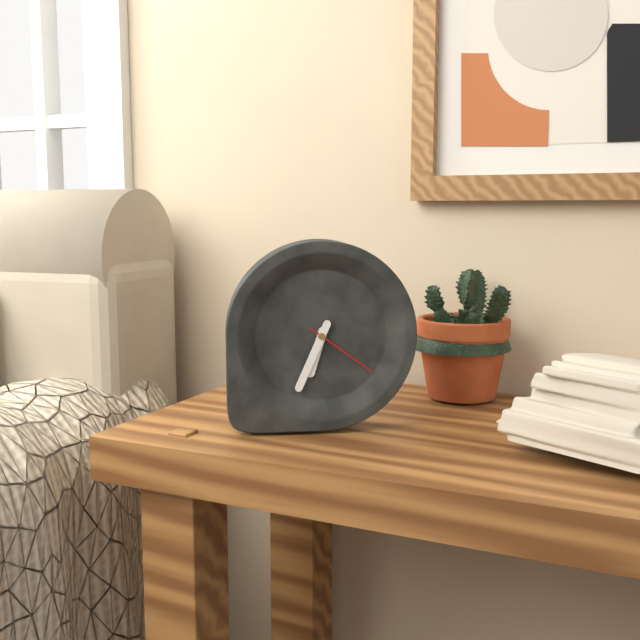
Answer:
6:34:21
